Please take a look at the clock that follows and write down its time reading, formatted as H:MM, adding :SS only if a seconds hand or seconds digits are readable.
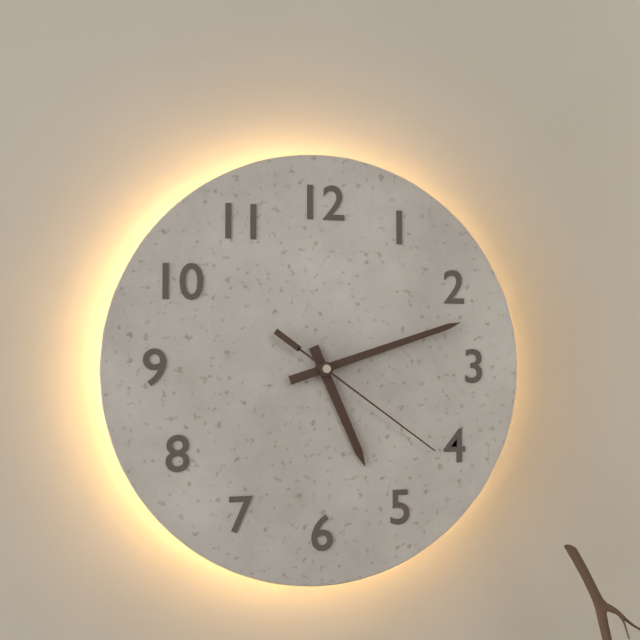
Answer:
5:12:21
